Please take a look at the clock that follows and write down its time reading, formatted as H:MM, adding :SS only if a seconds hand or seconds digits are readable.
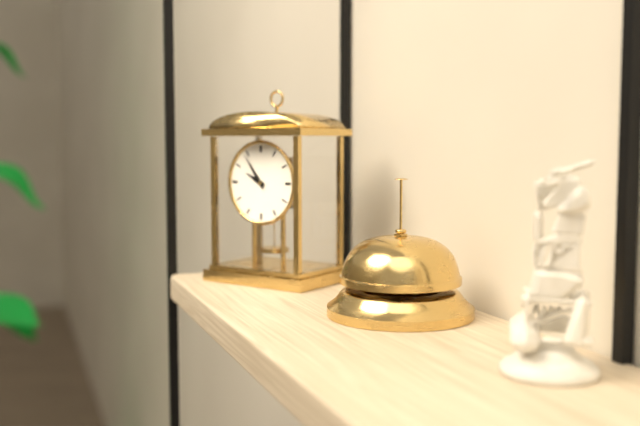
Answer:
9:54
